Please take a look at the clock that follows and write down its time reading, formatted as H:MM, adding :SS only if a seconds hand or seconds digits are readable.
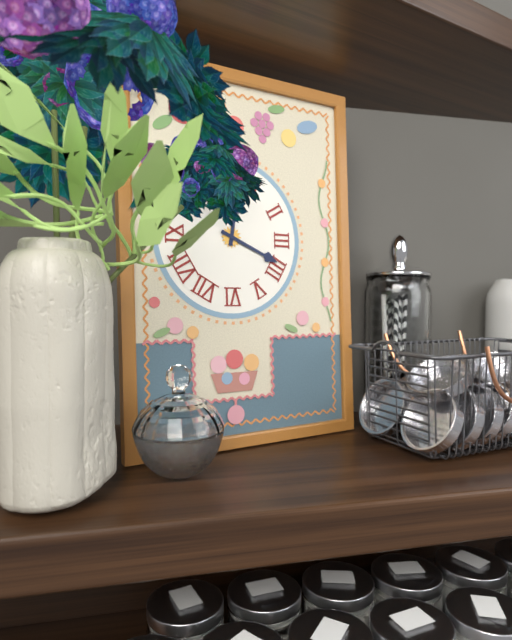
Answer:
12:19
